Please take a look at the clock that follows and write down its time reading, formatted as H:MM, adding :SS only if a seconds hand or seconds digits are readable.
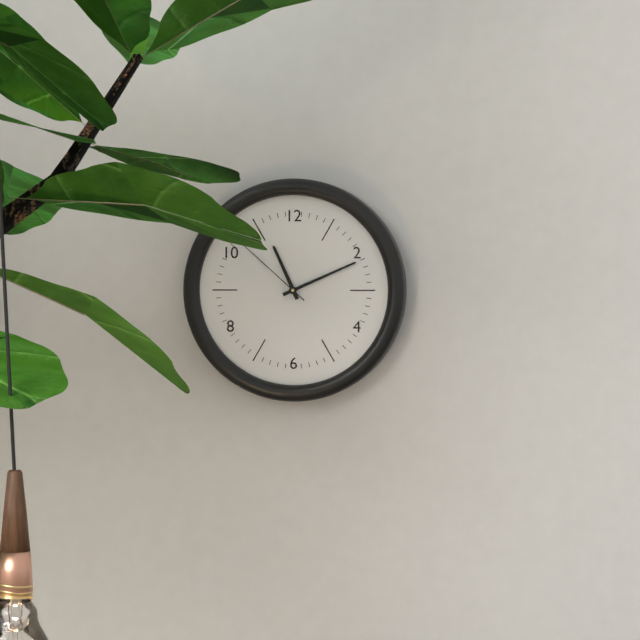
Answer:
11:11:52
